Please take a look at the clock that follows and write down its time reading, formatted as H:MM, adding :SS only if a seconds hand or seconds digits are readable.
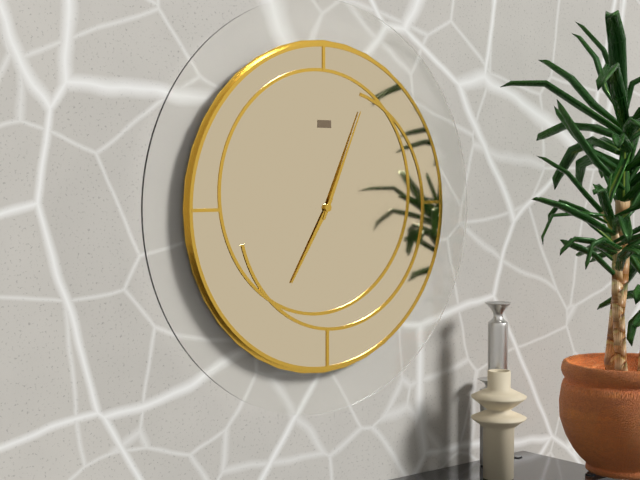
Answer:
7:04
